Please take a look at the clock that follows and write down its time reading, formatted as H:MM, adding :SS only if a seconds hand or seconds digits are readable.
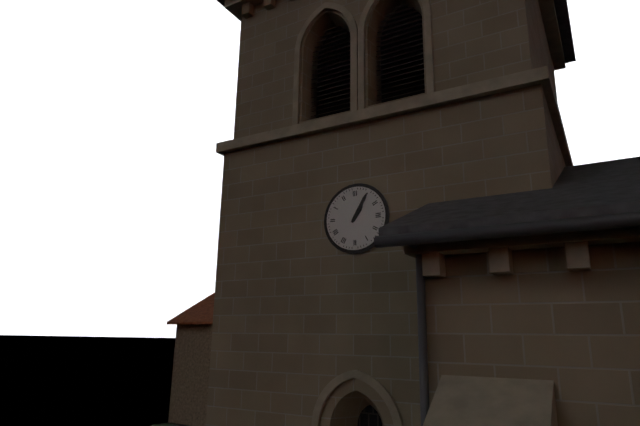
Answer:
1:05
